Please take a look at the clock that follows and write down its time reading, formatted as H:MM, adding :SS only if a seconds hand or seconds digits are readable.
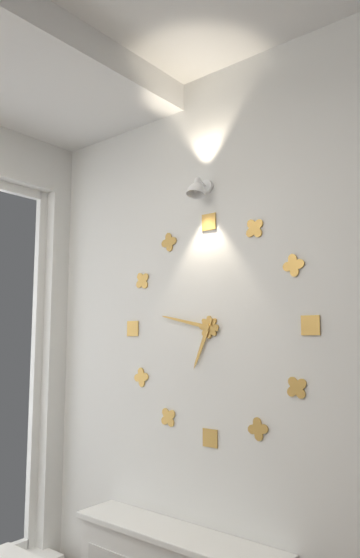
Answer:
6:47
